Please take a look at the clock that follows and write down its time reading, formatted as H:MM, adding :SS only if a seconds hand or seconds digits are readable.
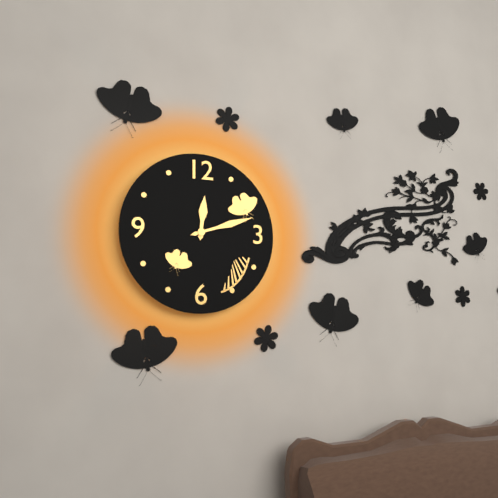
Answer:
12:12
